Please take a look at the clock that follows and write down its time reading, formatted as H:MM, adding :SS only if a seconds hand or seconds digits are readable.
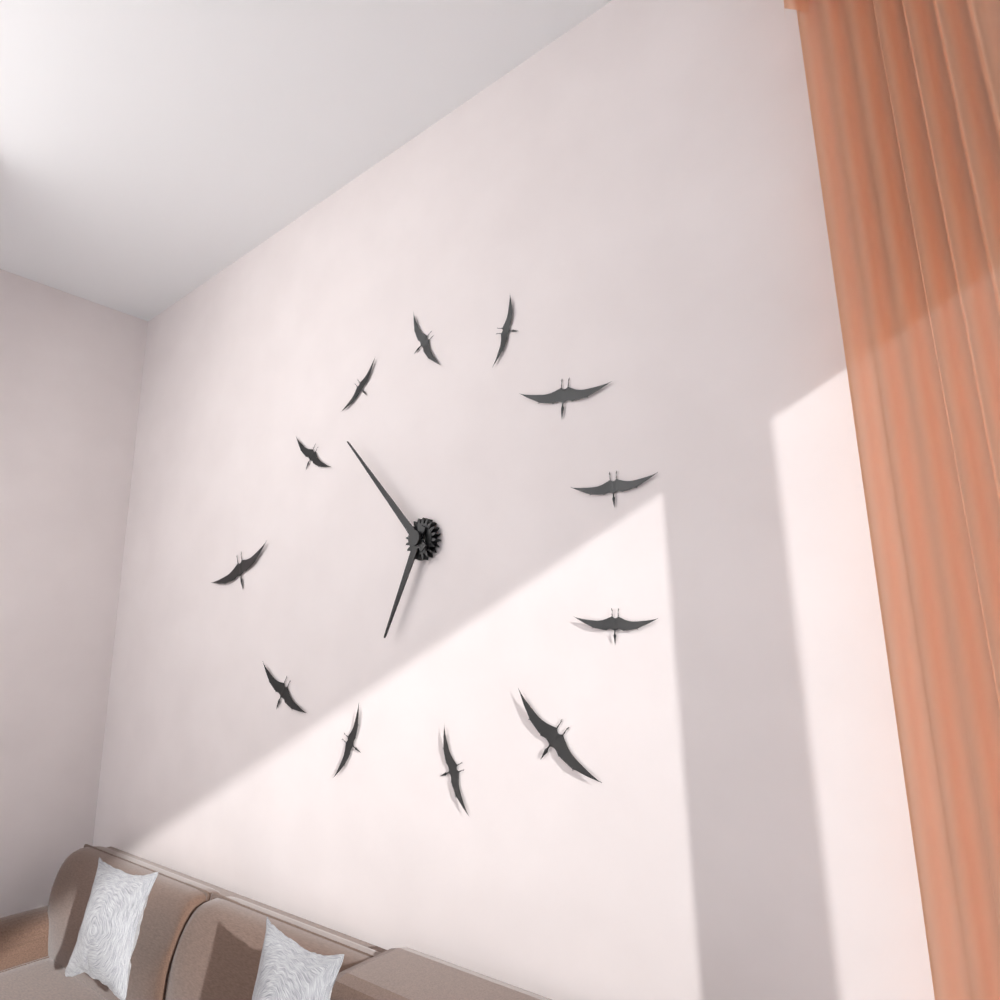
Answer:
6:53
